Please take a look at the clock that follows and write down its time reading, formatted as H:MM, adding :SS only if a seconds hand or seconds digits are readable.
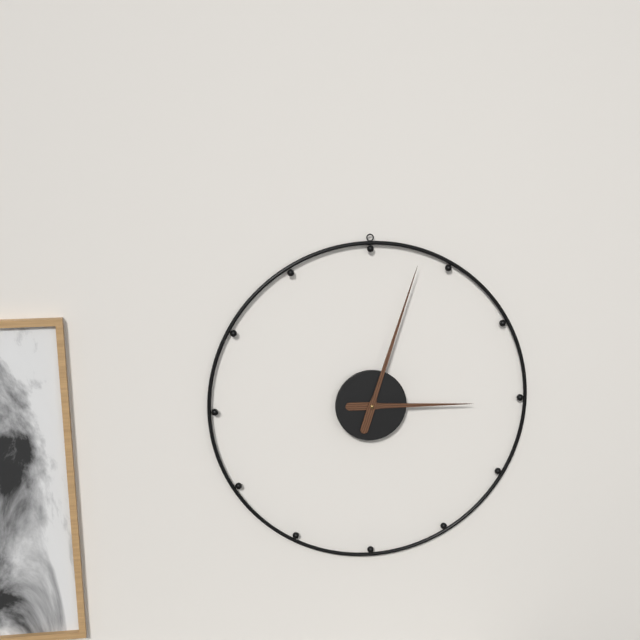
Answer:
3:03
